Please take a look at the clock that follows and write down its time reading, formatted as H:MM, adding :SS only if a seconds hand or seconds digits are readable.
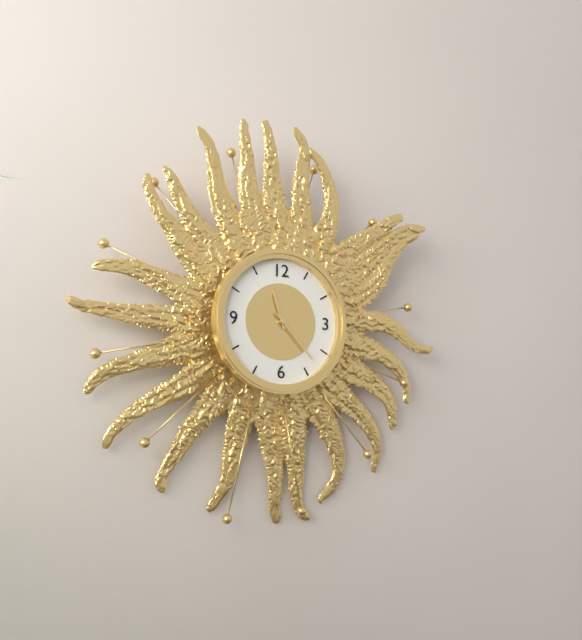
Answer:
11:23
